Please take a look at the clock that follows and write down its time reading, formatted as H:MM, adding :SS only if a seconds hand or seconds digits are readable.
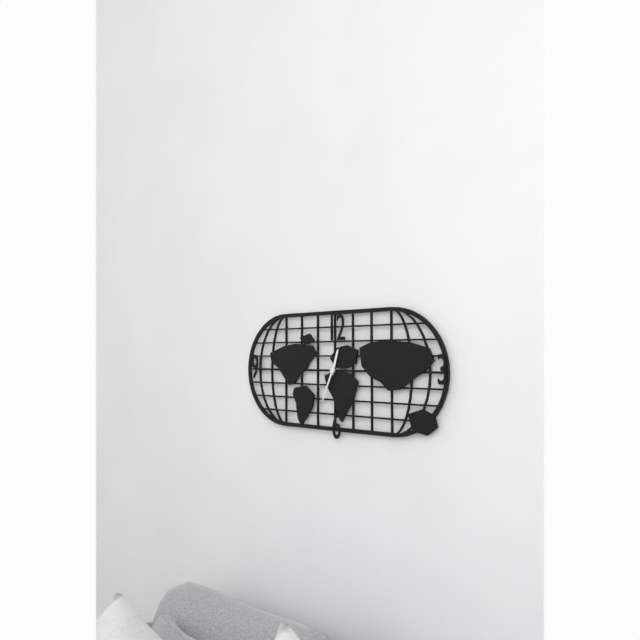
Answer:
12:34
